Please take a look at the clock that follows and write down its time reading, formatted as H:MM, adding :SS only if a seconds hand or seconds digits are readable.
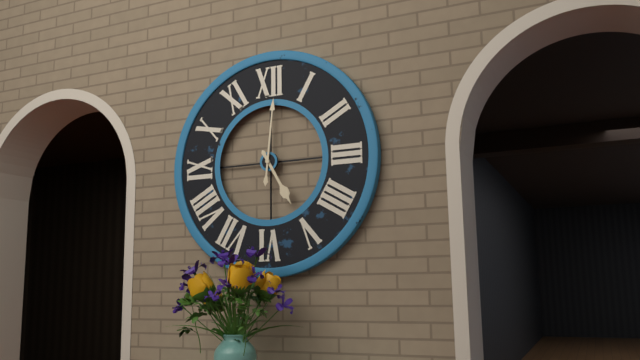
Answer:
5:01
